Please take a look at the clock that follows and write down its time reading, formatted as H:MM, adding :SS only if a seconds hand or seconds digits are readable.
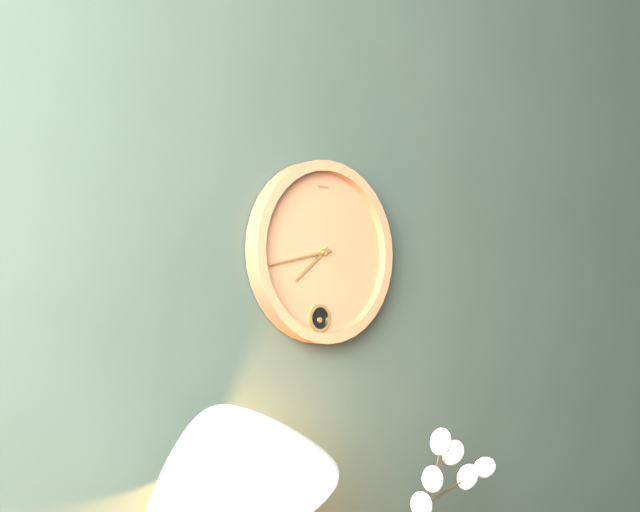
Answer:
7:43
